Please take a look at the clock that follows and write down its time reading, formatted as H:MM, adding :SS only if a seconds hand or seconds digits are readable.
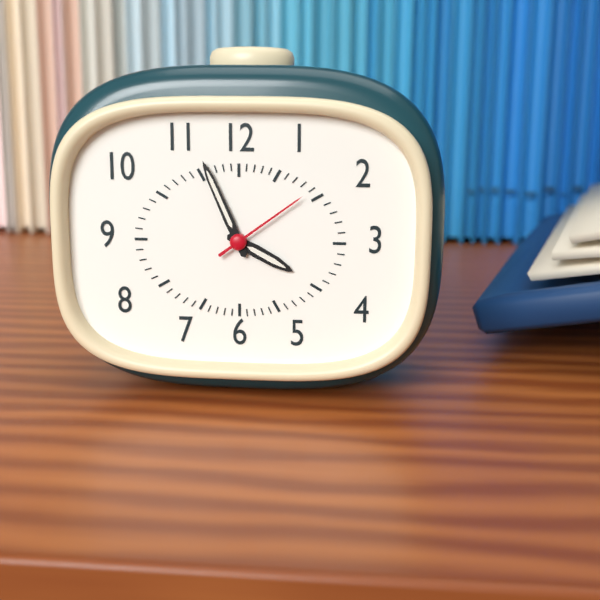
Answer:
3:56:09
